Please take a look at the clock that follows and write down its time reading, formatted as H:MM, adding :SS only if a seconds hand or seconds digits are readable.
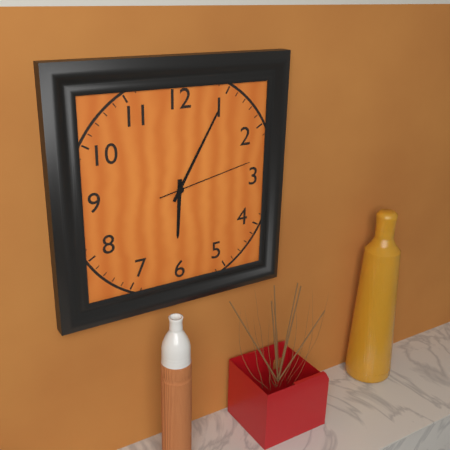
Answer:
6:05:13
